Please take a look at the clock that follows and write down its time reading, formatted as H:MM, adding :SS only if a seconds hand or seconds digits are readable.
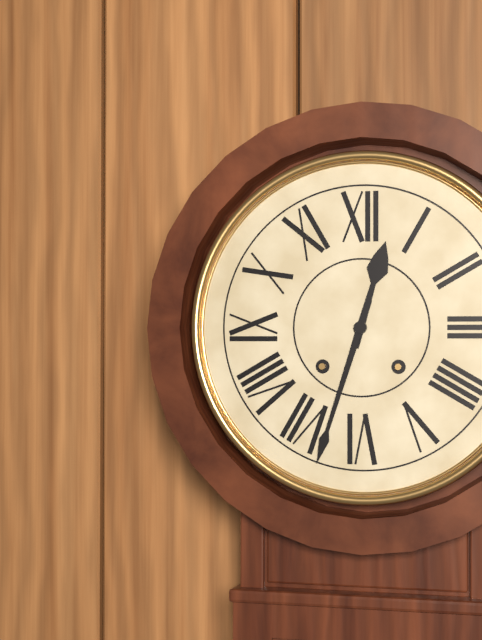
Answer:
12:33
